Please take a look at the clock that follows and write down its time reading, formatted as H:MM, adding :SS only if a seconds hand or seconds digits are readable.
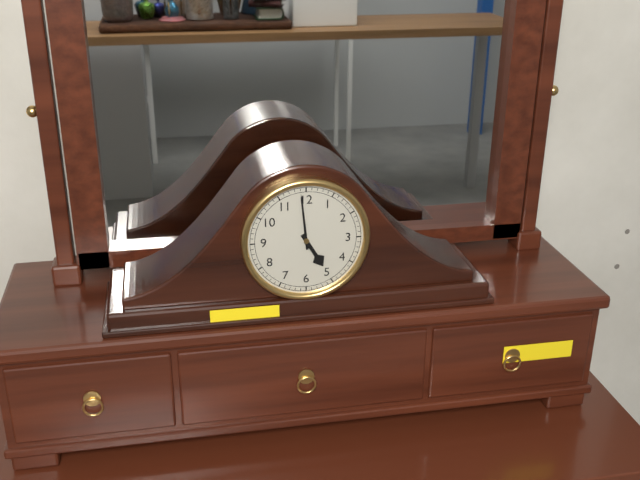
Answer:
4:59
